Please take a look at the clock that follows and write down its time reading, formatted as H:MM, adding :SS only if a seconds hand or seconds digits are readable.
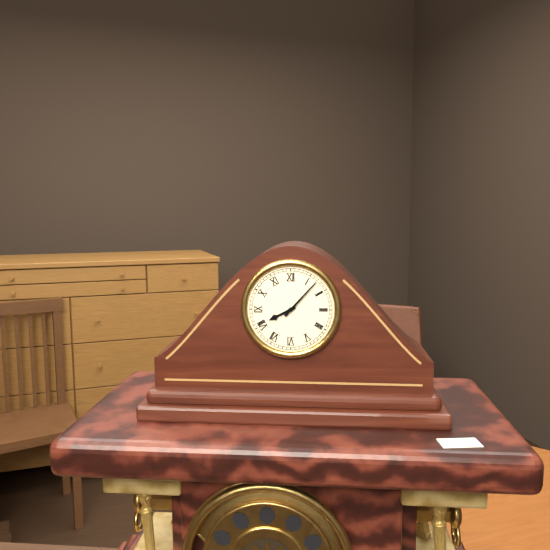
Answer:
8:07
